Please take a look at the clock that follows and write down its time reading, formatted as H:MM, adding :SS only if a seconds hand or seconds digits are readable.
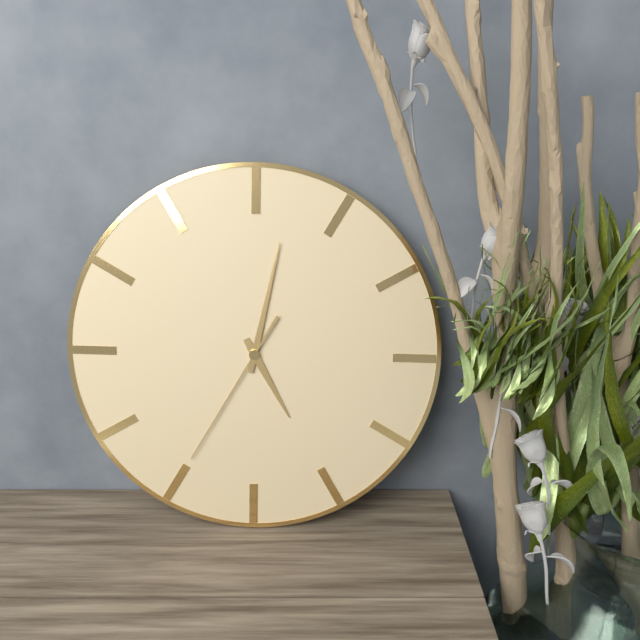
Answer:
5:02:35
